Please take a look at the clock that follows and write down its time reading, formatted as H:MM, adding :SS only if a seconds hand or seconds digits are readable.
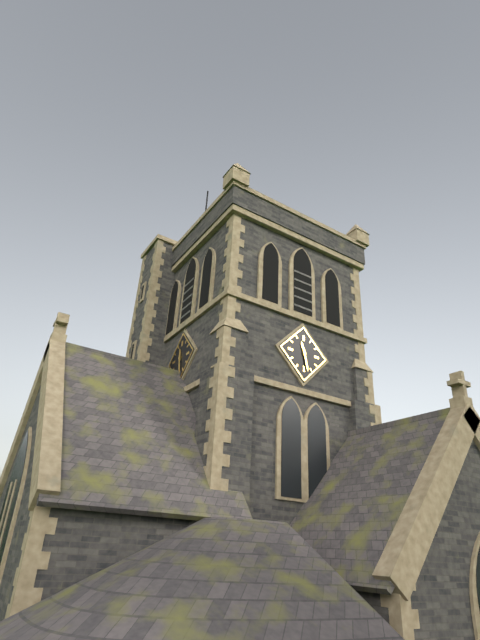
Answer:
11:28
